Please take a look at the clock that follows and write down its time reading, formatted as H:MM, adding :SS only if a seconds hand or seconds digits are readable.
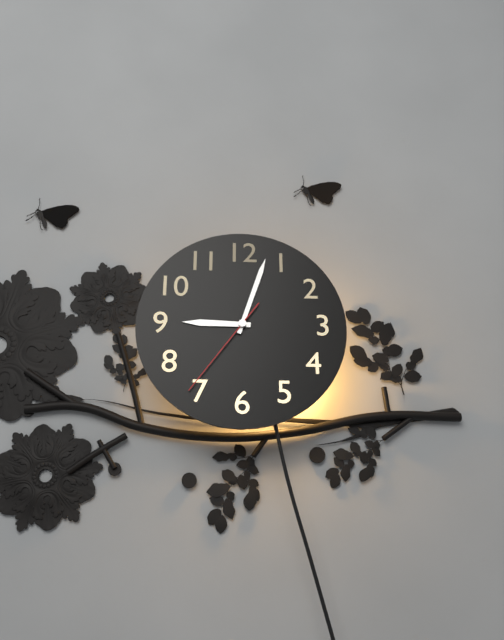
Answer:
9:03:36
